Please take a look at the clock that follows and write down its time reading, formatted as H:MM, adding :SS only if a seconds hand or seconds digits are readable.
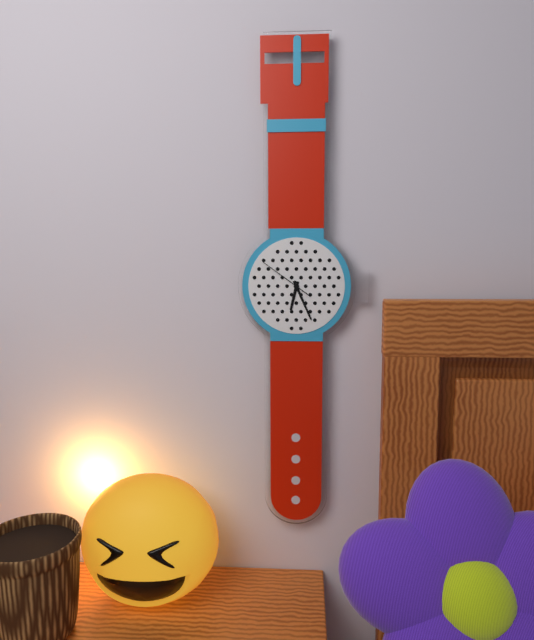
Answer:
6:26:51
